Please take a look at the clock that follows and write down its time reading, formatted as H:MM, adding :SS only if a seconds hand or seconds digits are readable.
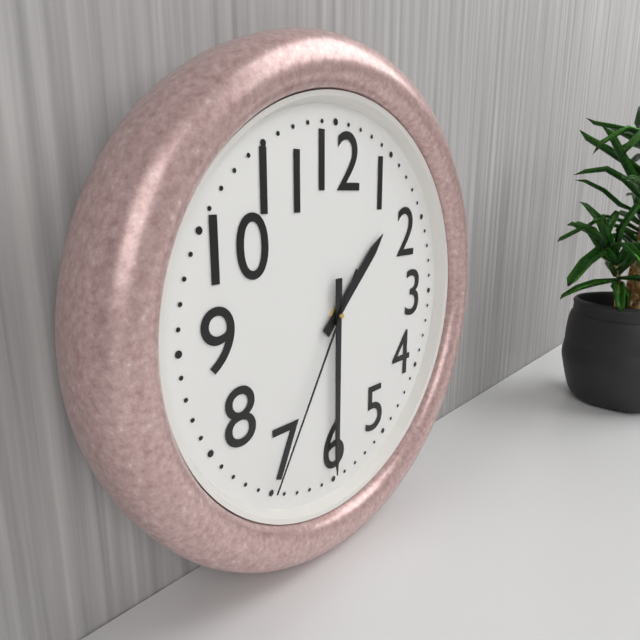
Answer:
1:30:35
